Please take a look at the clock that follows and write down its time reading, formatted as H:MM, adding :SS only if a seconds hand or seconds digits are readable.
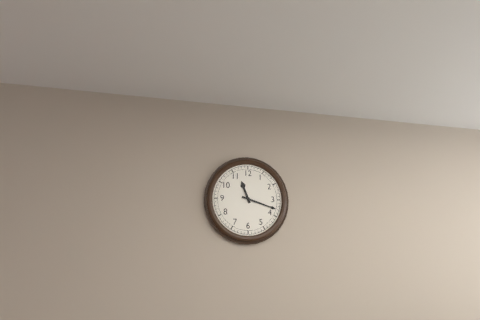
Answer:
11:18
